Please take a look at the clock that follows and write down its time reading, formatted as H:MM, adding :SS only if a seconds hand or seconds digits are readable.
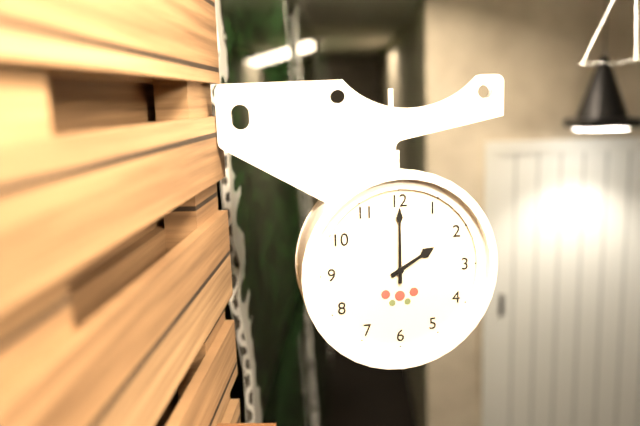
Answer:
2:00
